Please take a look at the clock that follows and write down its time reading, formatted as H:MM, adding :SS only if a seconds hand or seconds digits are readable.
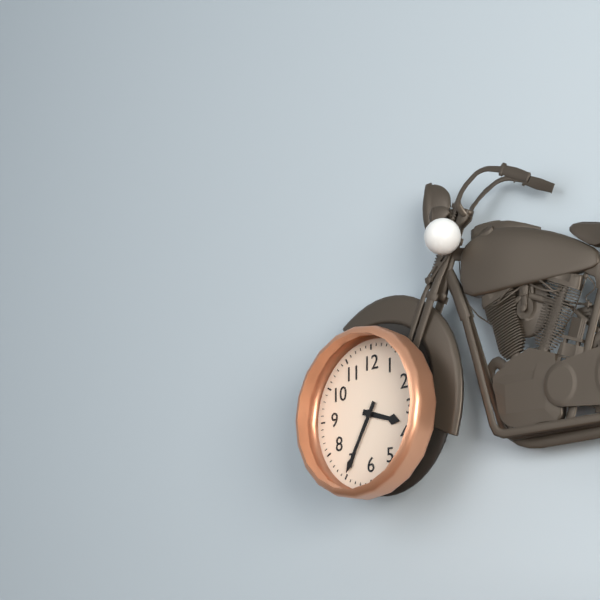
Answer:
3:35
